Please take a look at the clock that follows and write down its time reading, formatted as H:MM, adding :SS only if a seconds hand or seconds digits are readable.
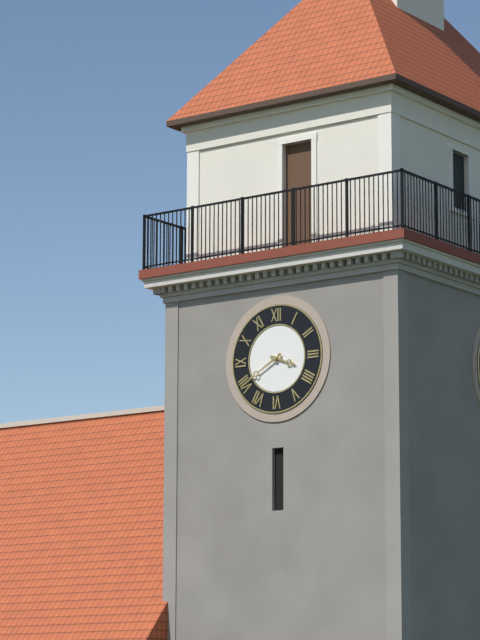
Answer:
3:40
